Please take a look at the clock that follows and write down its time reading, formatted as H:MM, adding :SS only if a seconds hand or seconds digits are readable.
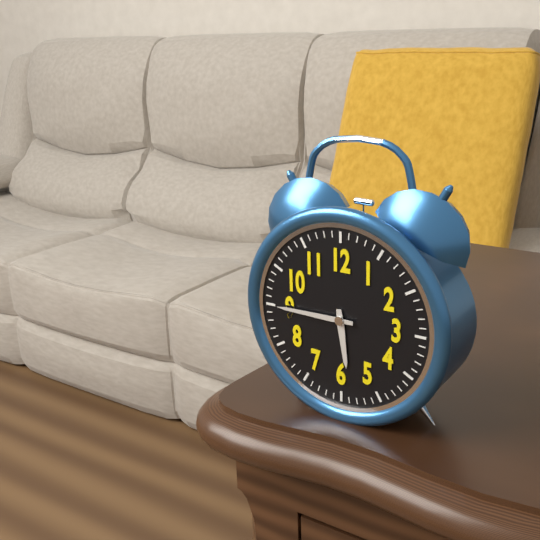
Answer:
5:45
